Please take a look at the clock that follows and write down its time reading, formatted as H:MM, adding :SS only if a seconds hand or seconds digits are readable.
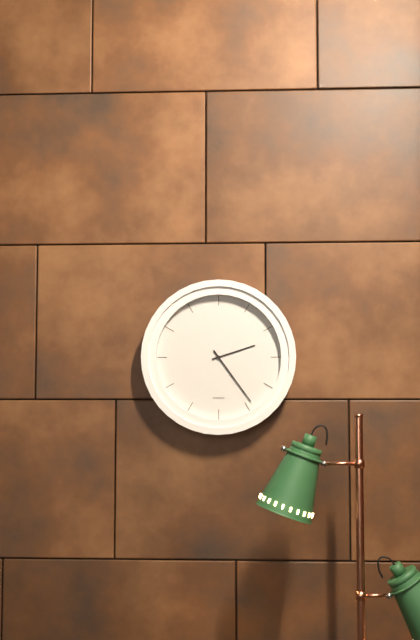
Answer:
2:24
